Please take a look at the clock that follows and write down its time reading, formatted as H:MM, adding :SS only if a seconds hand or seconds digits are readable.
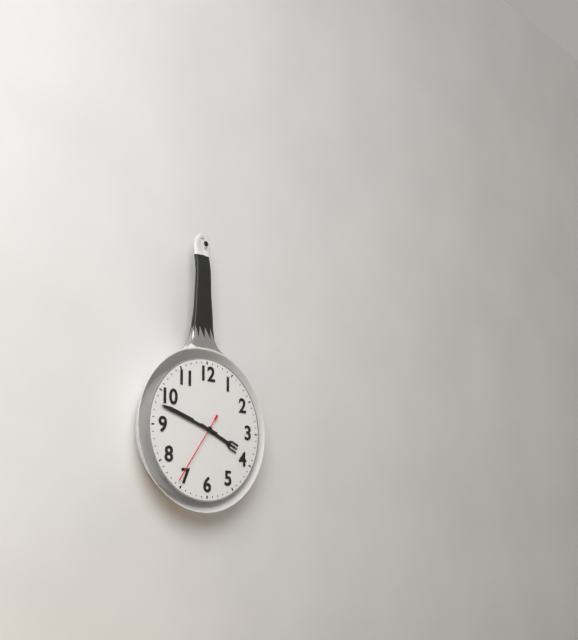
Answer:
3:48:36
